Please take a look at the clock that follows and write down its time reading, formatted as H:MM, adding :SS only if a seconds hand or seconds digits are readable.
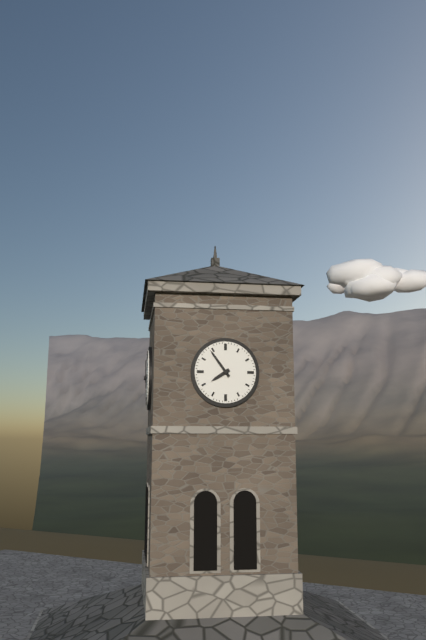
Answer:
7:54
